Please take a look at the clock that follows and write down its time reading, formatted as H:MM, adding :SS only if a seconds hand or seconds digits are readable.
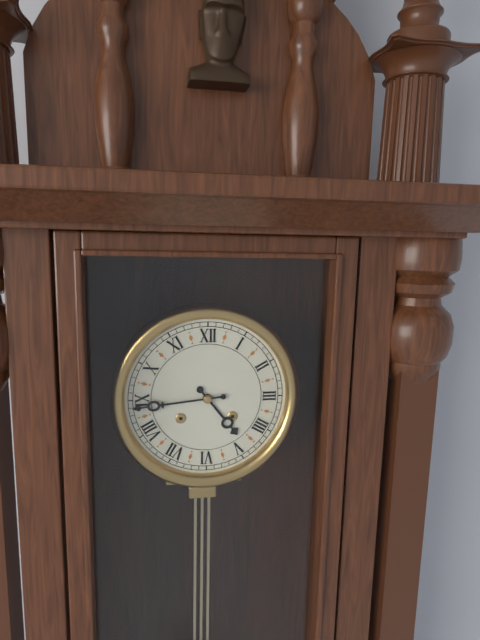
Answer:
4:44
